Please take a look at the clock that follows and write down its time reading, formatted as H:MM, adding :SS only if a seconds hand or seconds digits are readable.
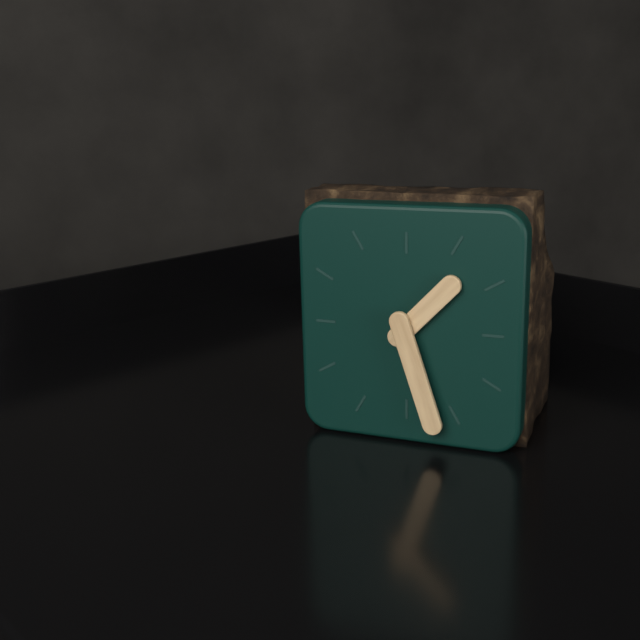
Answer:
1:27
